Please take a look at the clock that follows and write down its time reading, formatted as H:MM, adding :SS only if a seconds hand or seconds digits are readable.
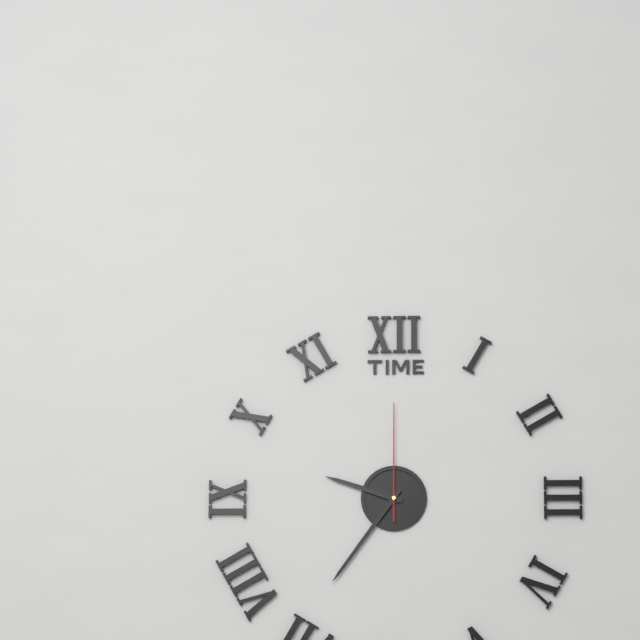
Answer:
9:36:00
